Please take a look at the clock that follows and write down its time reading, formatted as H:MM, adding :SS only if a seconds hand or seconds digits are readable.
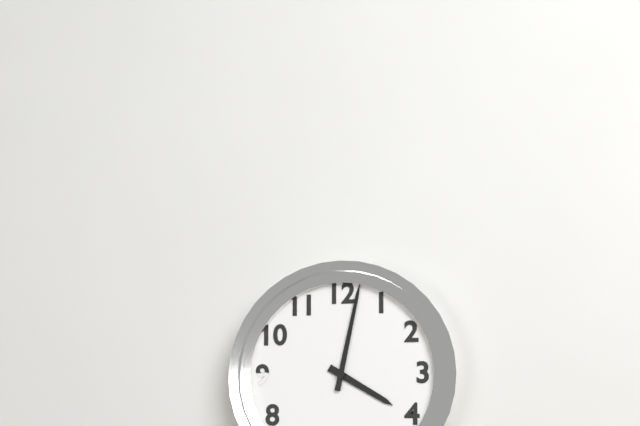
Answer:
4:02
